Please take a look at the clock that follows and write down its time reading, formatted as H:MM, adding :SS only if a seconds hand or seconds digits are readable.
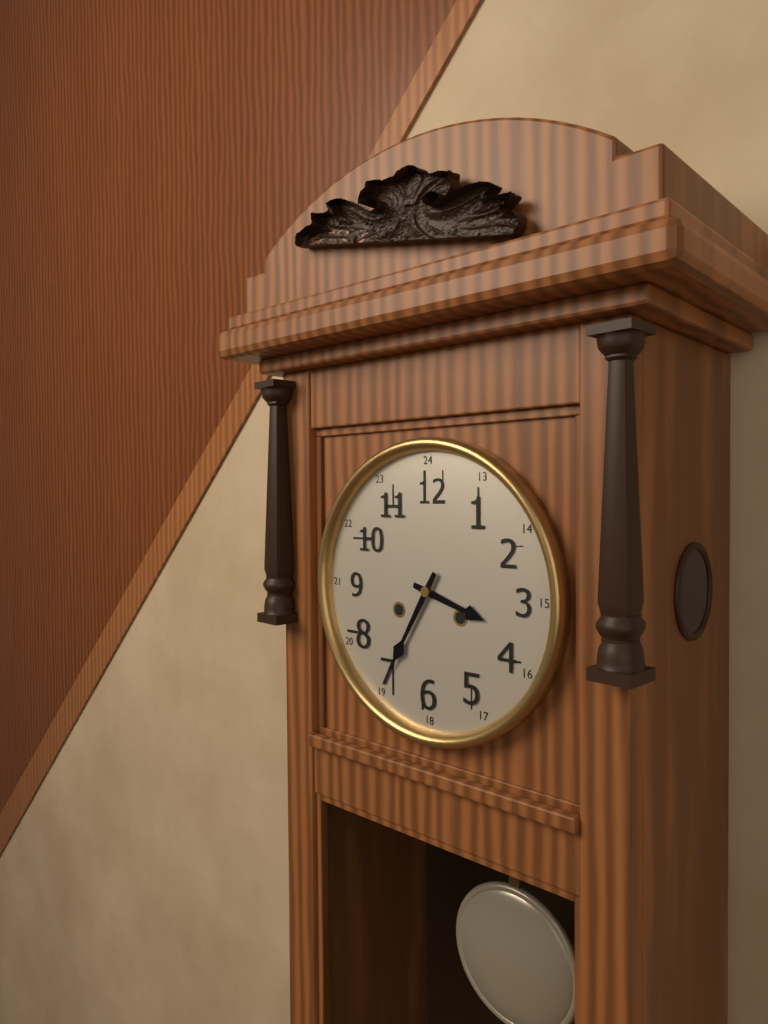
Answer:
3:35
